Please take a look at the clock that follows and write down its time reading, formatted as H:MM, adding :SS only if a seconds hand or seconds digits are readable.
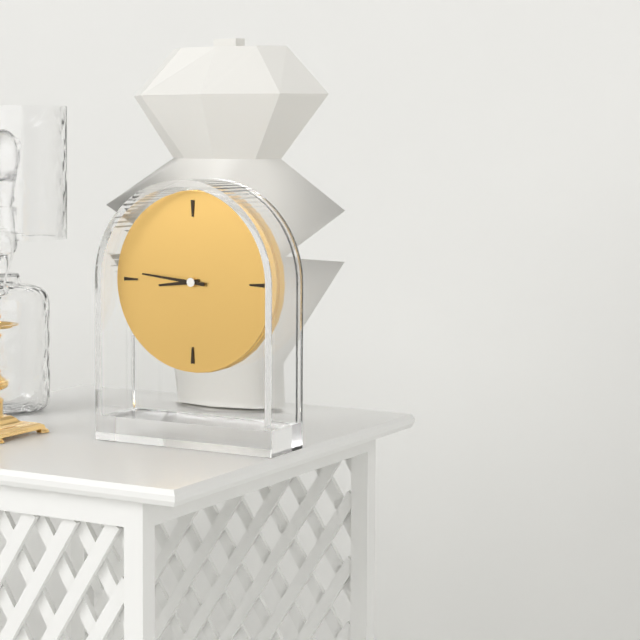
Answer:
8:46
